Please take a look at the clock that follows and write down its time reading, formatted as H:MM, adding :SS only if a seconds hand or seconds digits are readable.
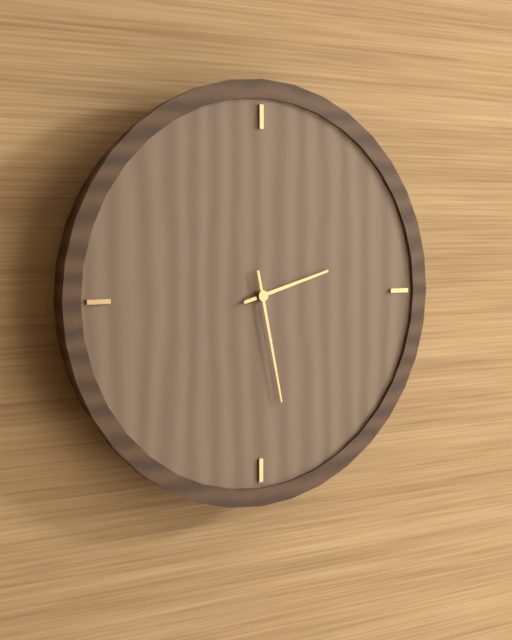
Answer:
2:28
